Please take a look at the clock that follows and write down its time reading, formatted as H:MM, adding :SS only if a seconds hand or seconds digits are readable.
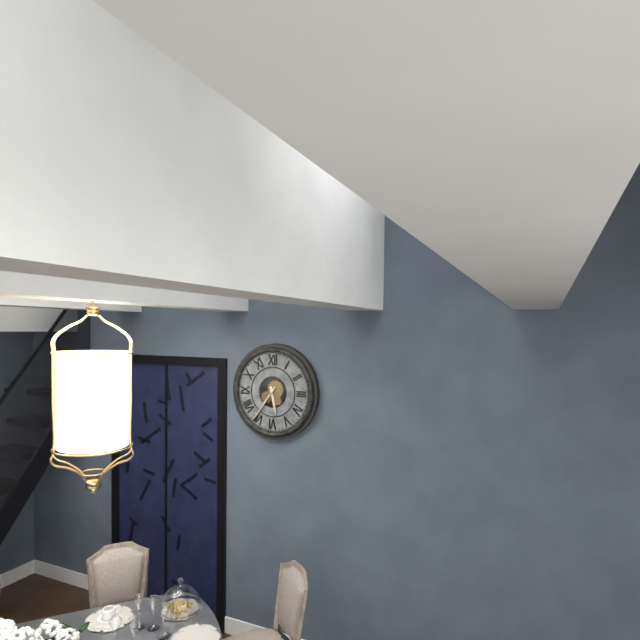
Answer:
5:36
